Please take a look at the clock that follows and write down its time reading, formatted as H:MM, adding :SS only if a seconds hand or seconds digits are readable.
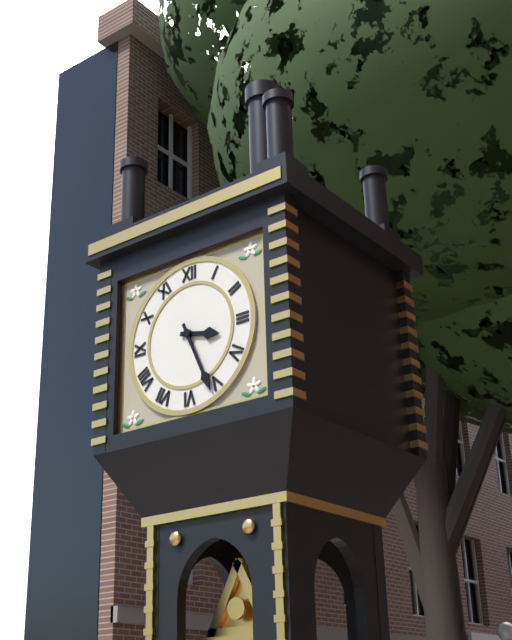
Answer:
3:26
